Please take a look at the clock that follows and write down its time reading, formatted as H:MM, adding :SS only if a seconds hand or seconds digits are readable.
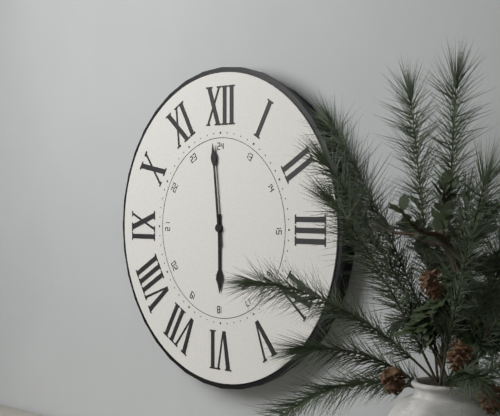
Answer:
5:59
